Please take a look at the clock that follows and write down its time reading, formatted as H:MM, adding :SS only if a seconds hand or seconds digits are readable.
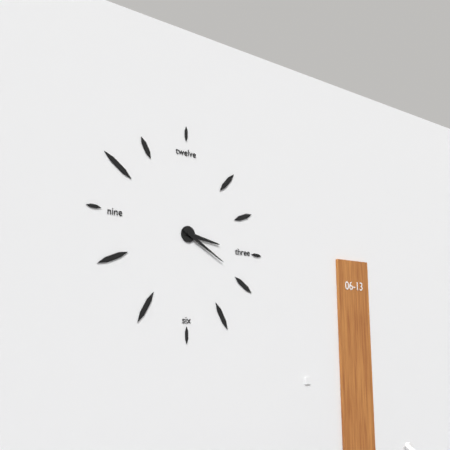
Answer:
3:20
